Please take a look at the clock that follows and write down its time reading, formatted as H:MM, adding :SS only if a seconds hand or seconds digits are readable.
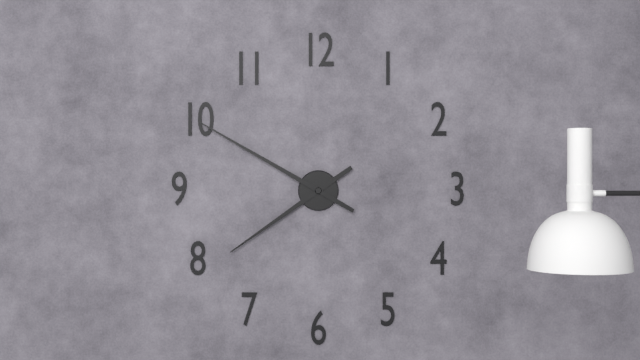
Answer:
7:50
